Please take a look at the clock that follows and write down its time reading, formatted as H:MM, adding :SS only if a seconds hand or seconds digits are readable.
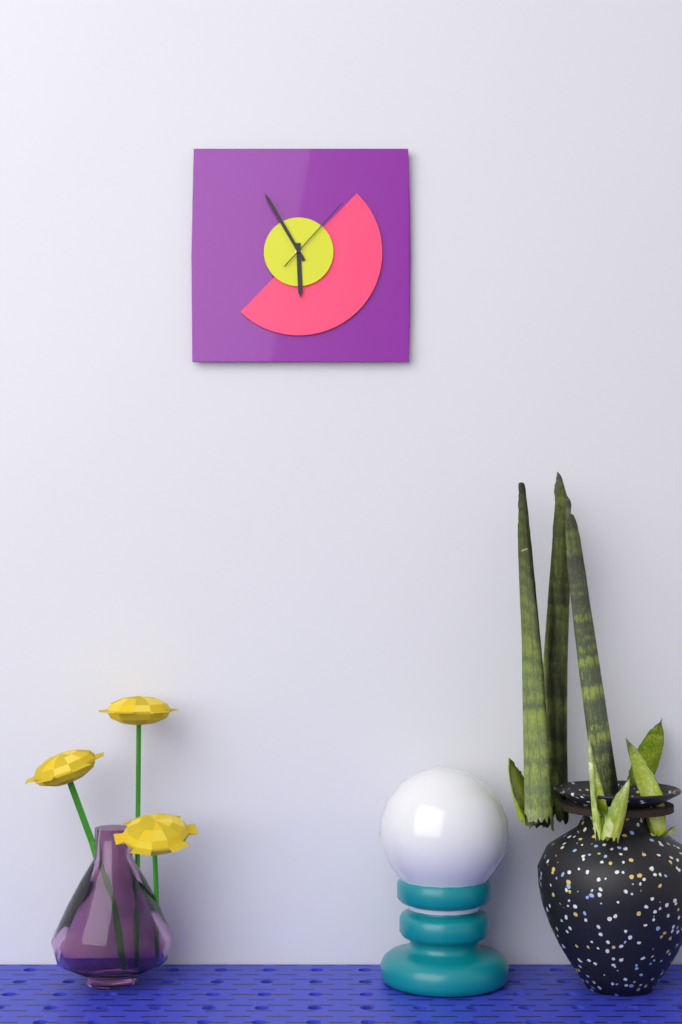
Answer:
5:55:07
